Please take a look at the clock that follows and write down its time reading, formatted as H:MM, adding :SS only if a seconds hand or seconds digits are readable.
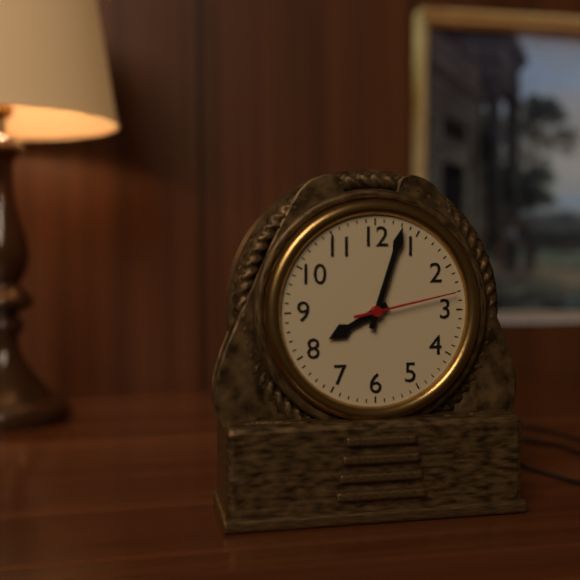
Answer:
8:03:13
